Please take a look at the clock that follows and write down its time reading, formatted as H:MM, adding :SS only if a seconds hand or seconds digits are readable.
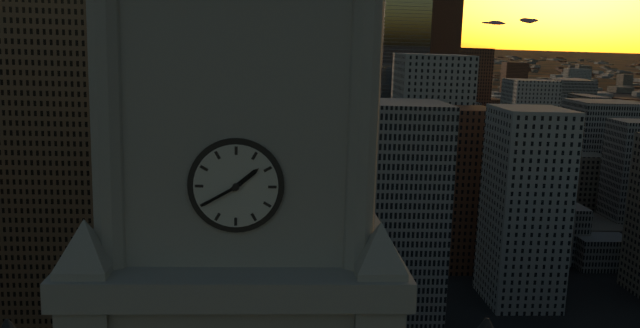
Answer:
1:40
